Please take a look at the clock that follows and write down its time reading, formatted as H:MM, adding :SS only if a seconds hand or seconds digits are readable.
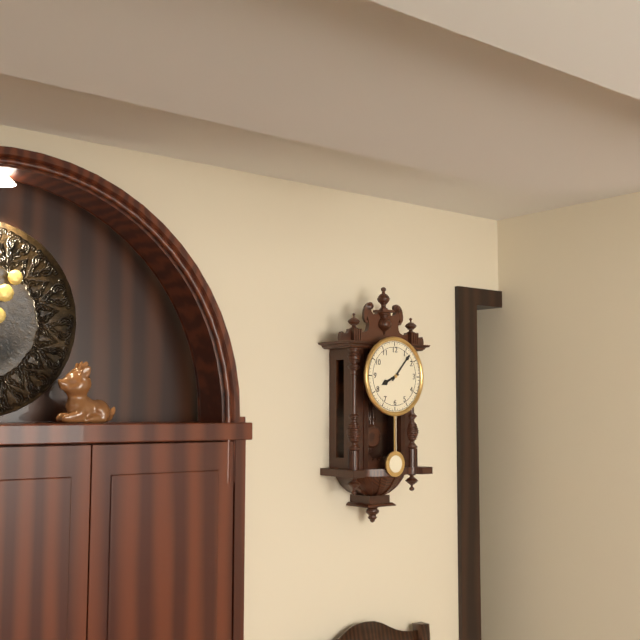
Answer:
8:07
